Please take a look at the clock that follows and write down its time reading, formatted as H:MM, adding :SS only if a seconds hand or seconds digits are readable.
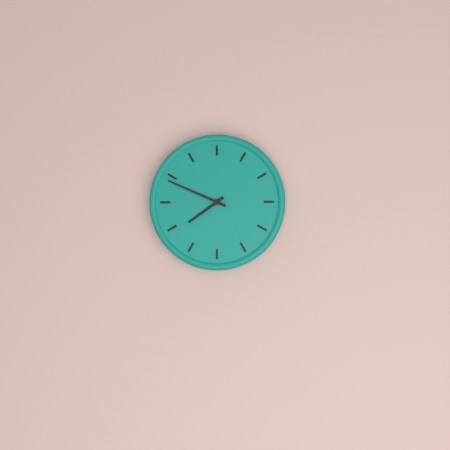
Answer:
7:49
